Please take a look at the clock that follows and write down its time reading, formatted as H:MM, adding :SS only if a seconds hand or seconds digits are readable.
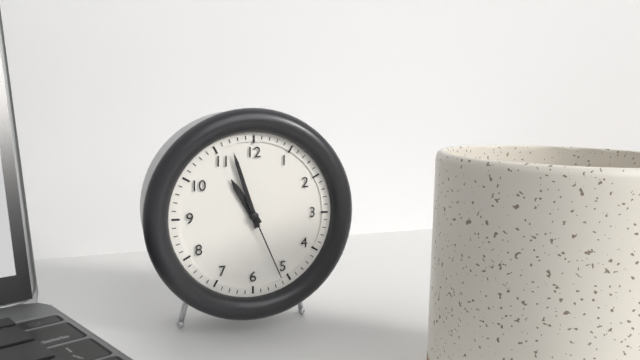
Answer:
10:57:26
